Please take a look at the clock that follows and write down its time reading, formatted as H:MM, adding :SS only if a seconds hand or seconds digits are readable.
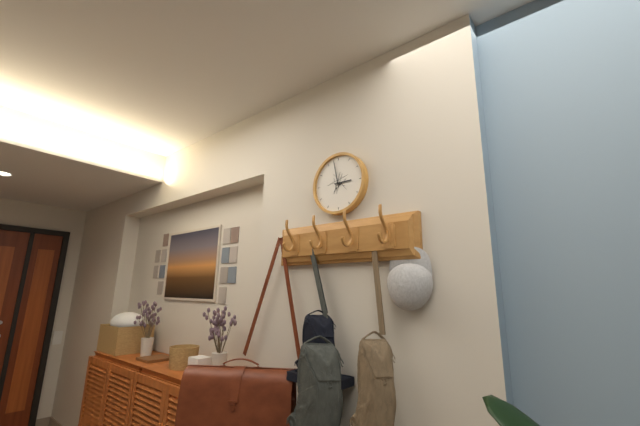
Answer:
2:58
